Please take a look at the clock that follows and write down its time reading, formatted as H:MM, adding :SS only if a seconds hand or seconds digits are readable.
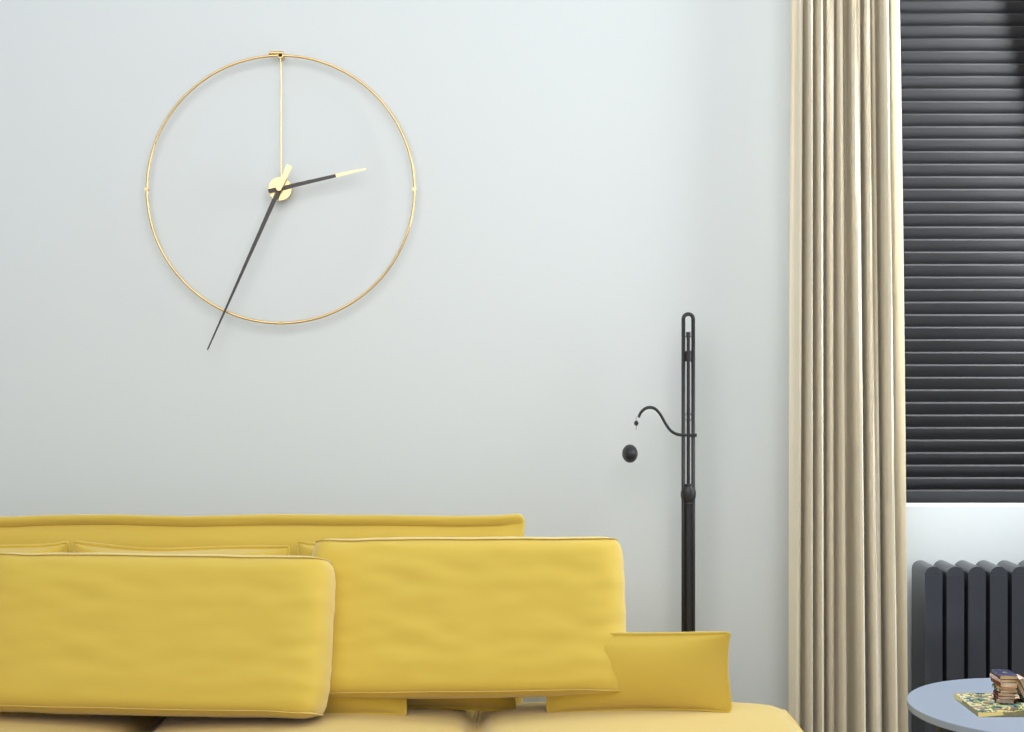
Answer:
2:34
